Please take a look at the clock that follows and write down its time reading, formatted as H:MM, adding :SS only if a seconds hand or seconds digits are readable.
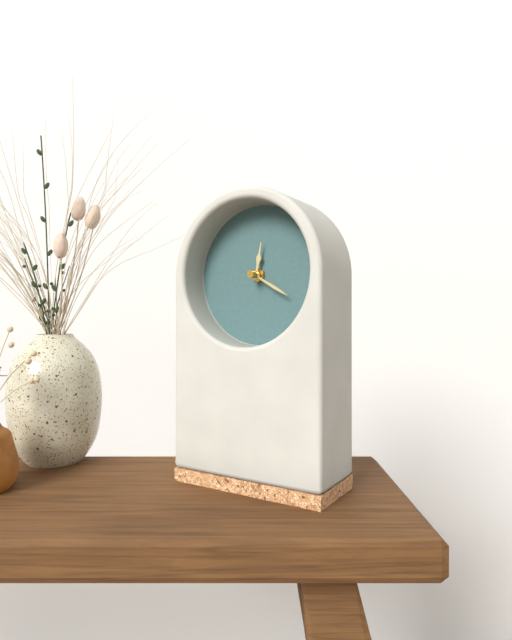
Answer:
12:20
